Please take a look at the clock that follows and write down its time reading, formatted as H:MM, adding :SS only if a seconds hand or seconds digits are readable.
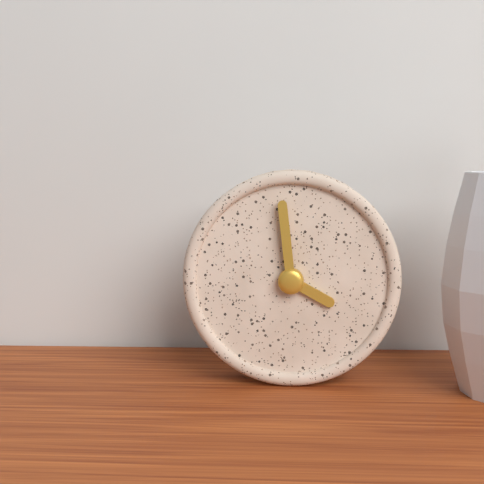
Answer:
3:59
